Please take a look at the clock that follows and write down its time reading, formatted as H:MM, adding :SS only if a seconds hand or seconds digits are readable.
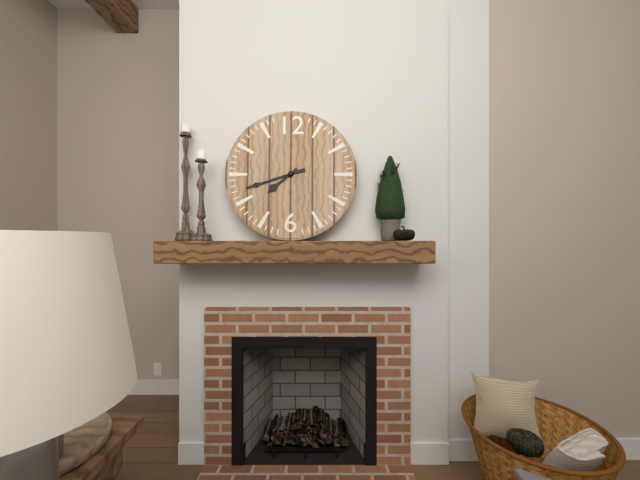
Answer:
7:42
